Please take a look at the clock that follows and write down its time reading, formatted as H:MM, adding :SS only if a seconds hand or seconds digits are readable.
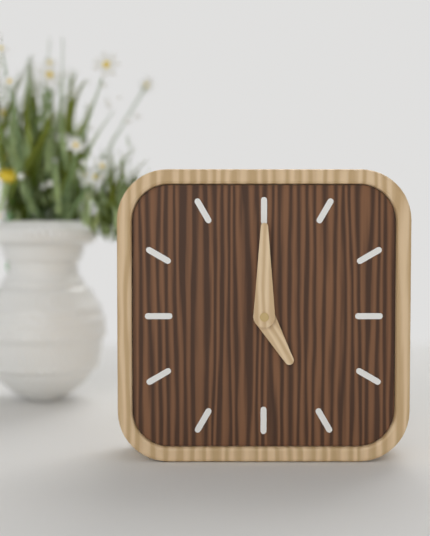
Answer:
5:00
